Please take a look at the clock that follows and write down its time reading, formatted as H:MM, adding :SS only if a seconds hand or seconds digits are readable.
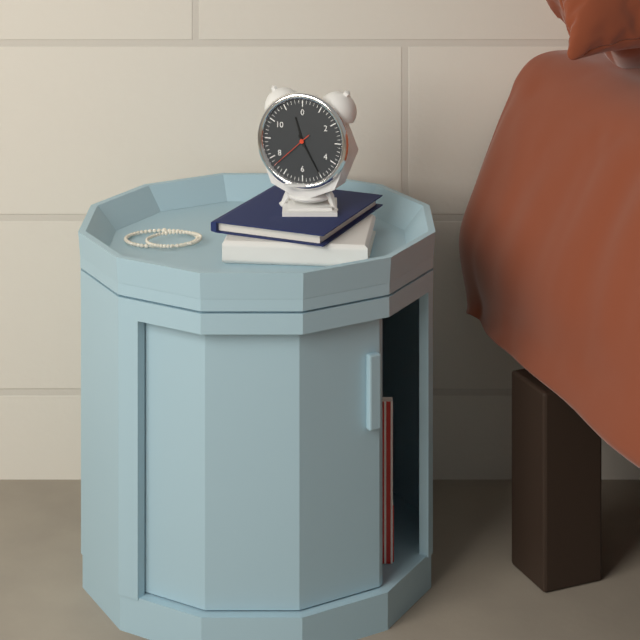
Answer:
11:25
